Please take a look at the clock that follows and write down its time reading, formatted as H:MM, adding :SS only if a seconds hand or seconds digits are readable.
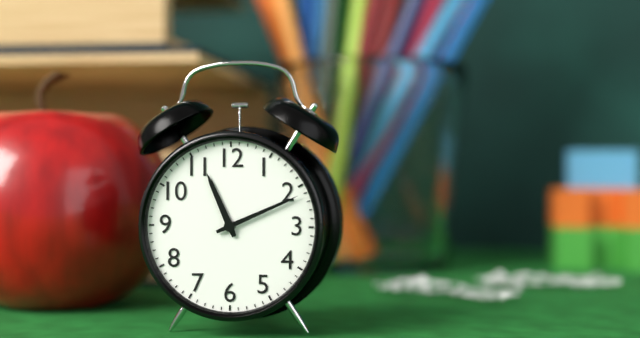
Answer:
11:11
